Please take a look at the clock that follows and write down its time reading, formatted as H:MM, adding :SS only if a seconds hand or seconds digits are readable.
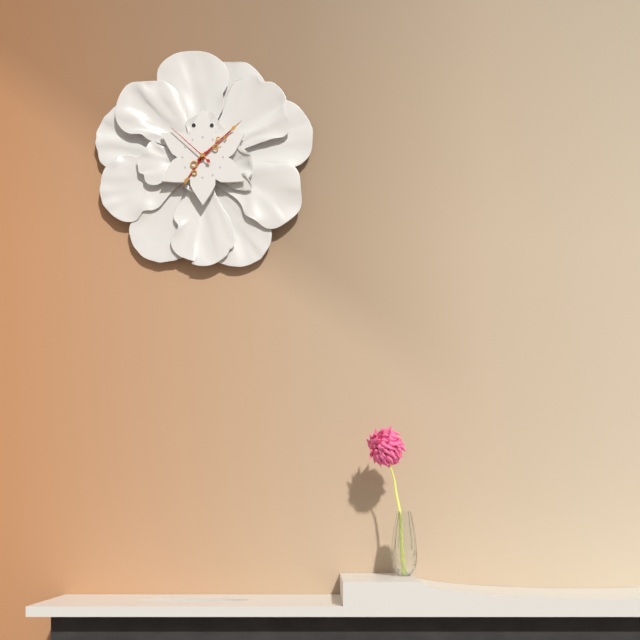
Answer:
7:08:52
